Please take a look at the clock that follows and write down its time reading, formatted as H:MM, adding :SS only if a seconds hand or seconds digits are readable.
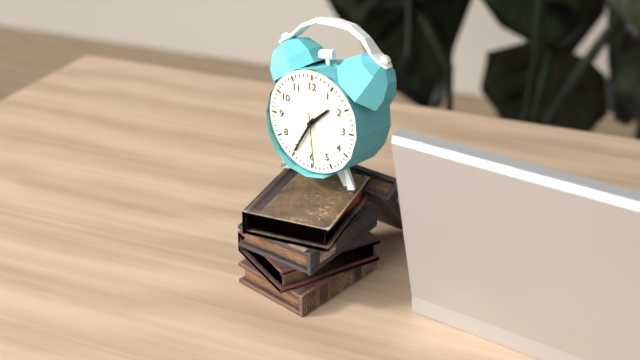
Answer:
1:35:29
